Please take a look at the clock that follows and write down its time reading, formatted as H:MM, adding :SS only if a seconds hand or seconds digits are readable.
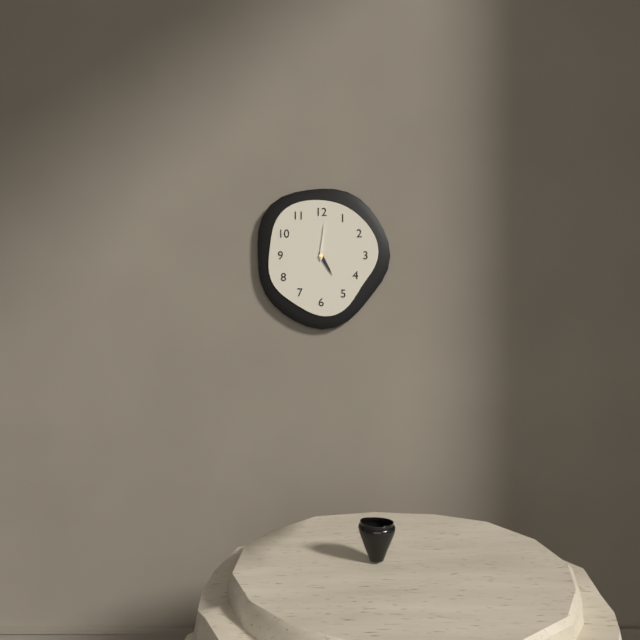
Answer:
5:01
